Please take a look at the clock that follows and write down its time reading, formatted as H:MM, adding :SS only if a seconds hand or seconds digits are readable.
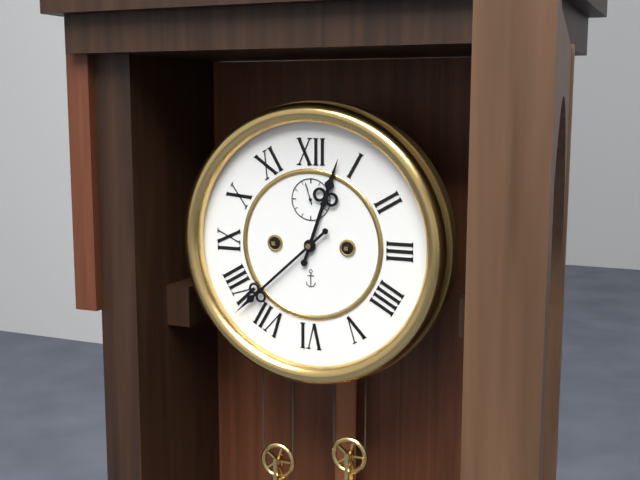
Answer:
12:38
